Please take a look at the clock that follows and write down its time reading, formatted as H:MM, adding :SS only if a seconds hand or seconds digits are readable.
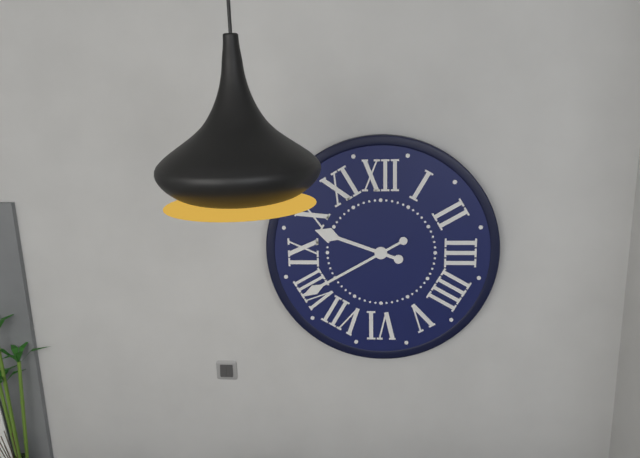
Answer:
9:40
